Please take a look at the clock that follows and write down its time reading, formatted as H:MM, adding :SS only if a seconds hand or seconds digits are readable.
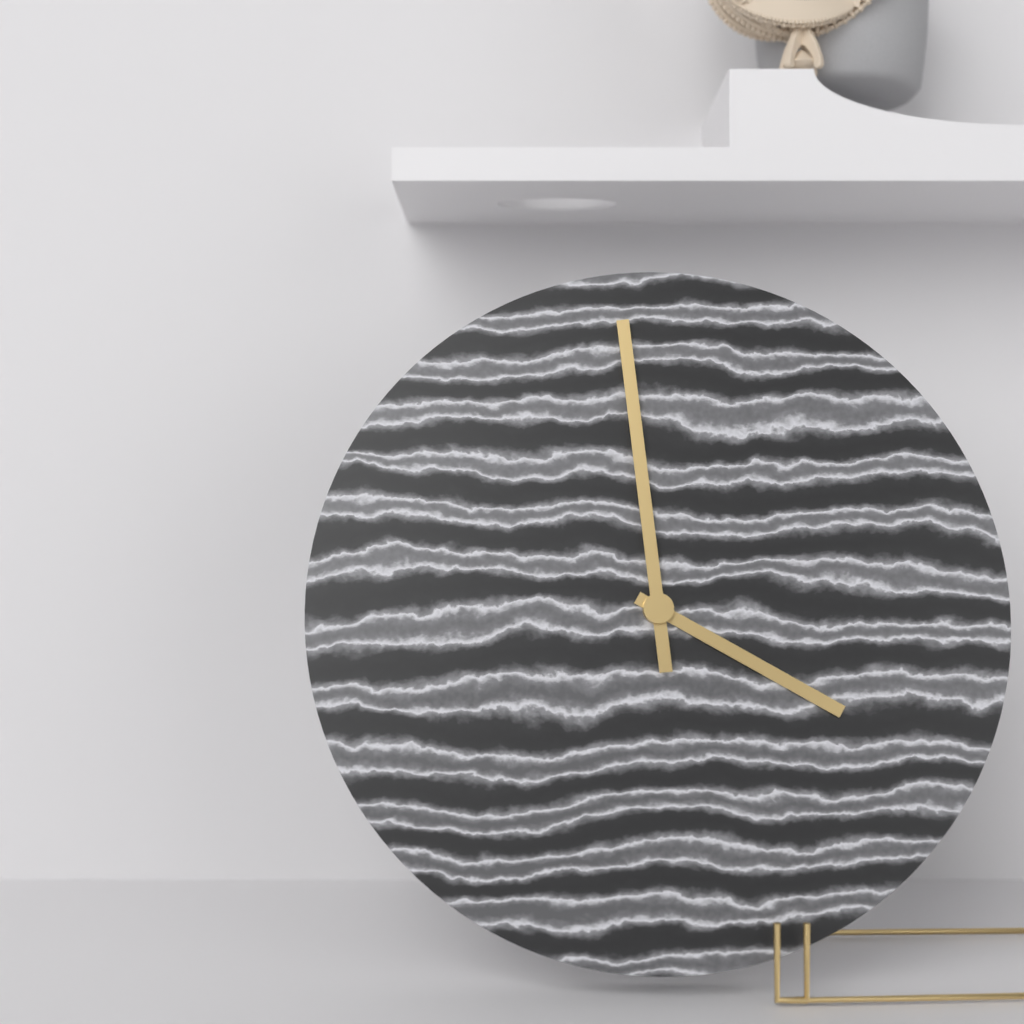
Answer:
3:59
